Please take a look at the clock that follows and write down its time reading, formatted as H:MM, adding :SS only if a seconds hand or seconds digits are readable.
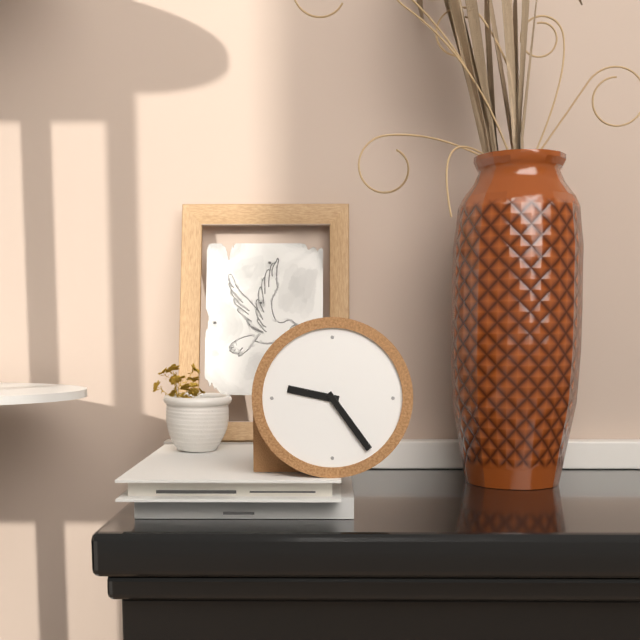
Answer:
9:24
